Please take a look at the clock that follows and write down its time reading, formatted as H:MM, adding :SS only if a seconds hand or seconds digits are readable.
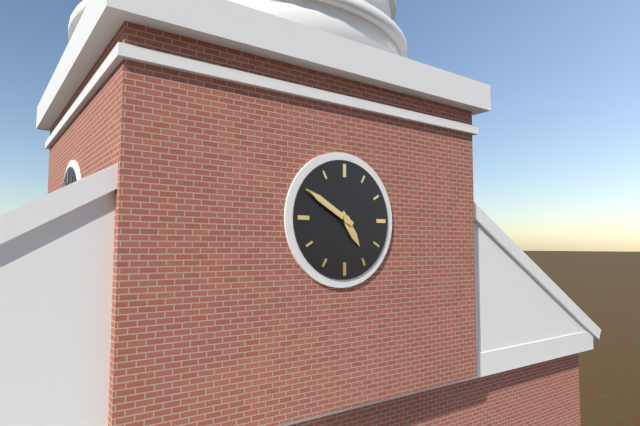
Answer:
4:50
